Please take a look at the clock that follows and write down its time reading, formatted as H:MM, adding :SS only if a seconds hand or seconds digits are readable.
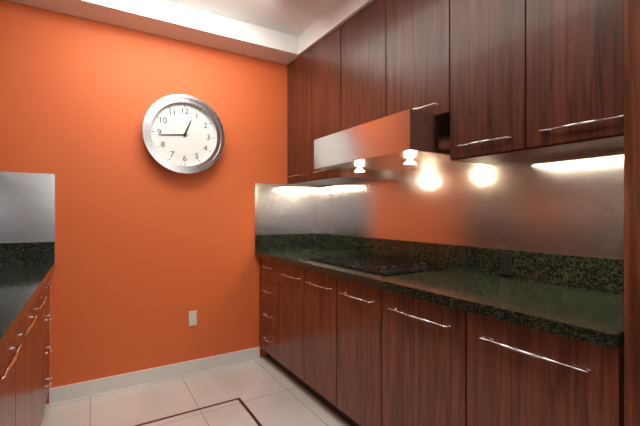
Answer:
12:44
